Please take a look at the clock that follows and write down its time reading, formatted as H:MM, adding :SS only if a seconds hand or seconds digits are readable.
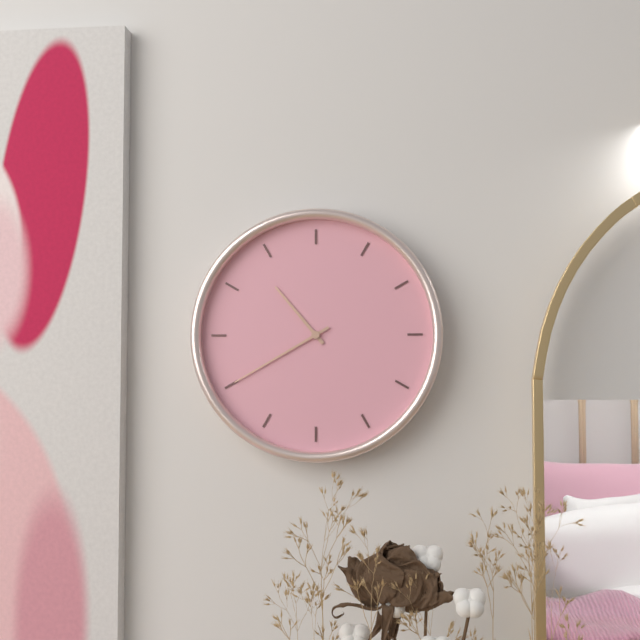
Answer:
10:40
